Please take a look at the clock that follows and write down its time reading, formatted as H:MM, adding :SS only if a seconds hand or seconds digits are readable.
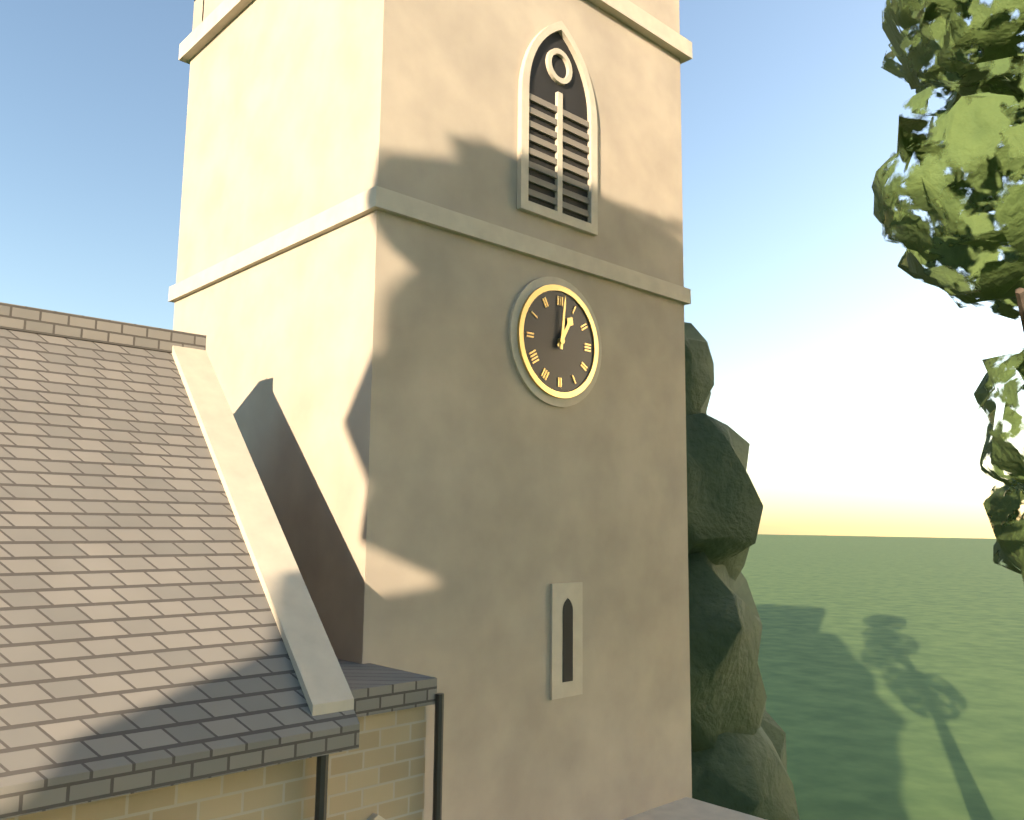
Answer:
1:01
